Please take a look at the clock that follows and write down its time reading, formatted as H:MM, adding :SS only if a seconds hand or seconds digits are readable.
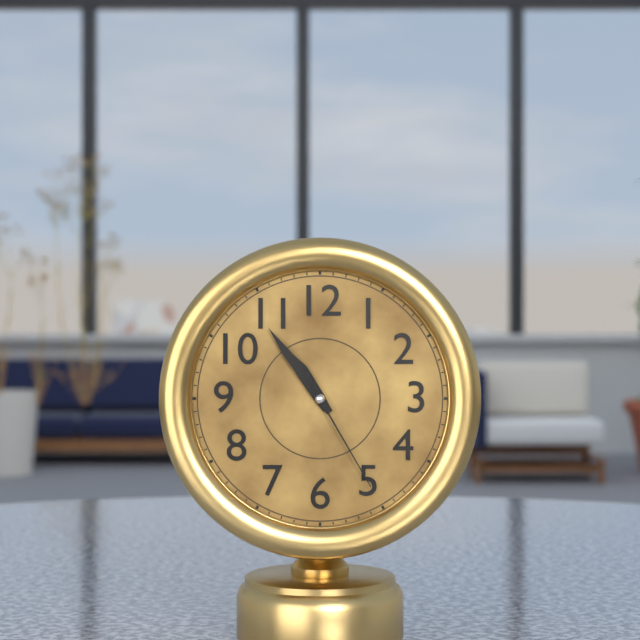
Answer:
10:54:25
